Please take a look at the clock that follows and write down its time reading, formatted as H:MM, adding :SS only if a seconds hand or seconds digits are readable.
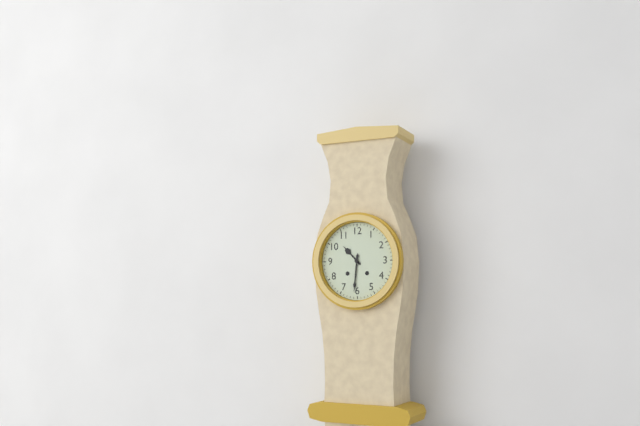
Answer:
10:31
